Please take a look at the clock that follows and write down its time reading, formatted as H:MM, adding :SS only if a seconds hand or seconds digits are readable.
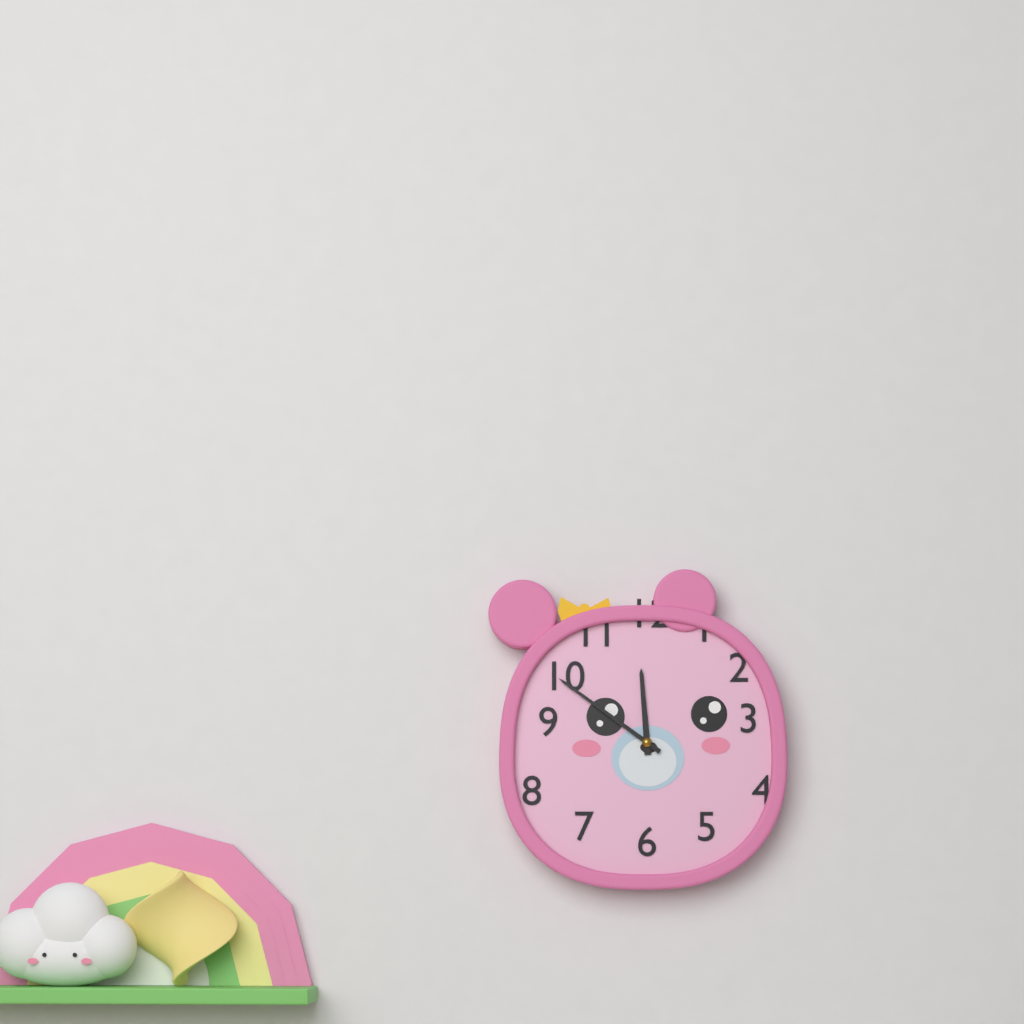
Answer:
11:51
